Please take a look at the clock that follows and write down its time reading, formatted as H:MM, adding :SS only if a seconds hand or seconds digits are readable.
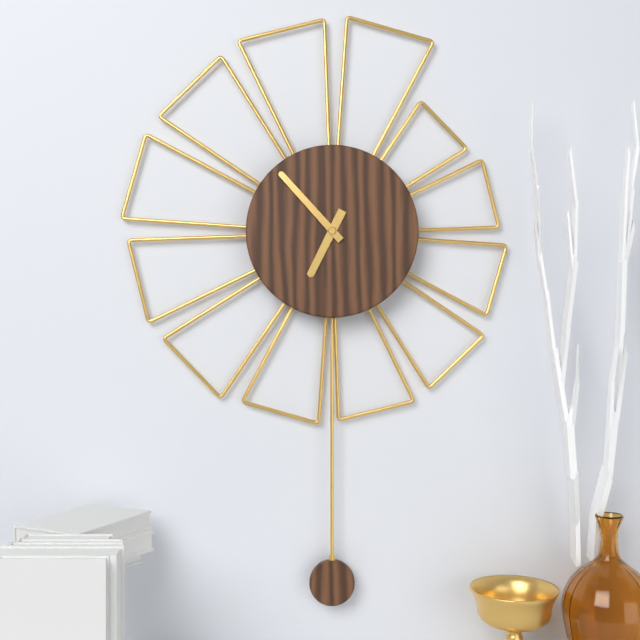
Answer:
6:53
